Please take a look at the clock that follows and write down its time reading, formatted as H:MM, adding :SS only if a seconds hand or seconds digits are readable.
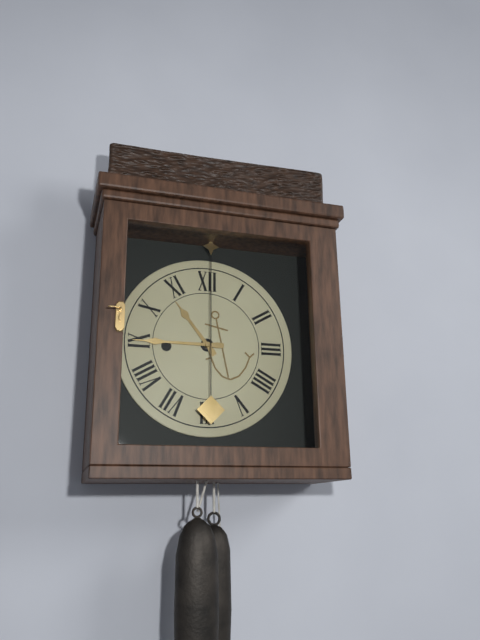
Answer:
10:45
